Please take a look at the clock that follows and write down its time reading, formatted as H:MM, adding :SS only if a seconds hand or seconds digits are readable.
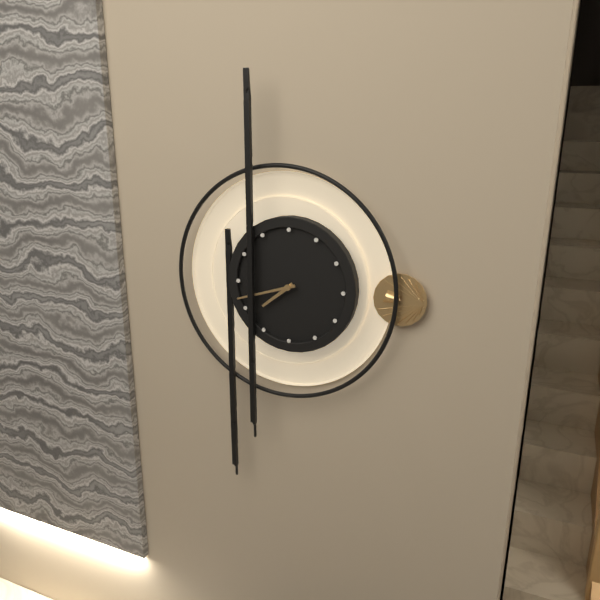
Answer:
7:42
